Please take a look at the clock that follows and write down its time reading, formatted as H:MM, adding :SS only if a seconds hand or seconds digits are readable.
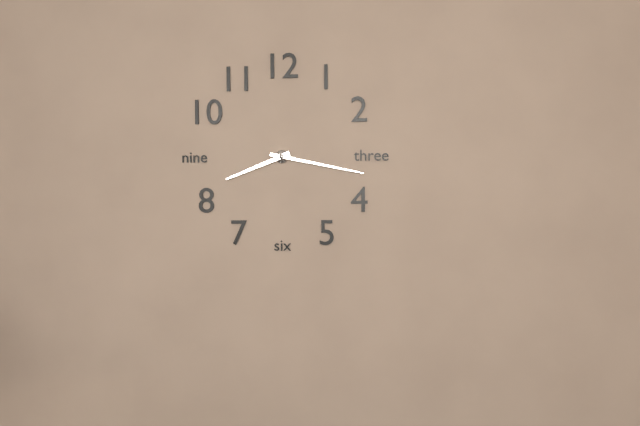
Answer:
8:17
